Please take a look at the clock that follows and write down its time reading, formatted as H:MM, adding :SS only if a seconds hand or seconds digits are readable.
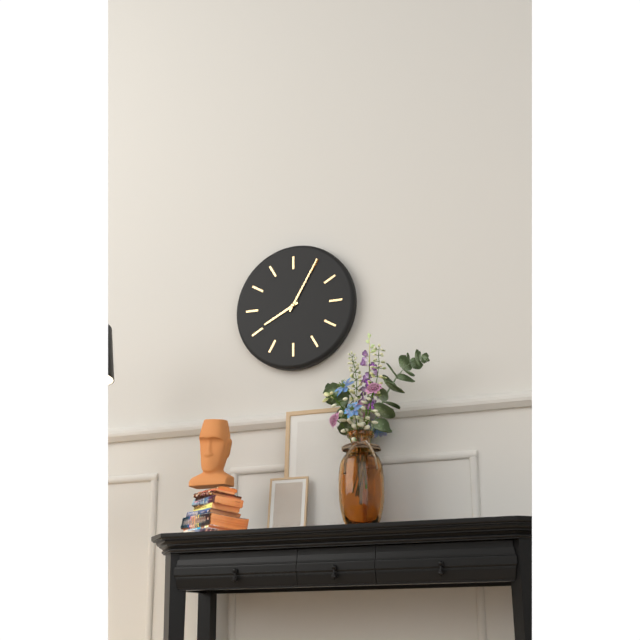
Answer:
8:05
